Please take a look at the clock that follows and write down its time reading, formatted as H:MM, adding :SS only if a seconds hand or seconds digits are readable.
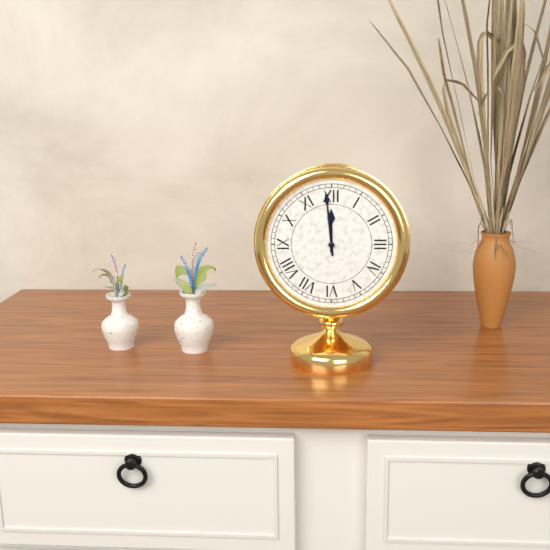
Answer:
11:59
